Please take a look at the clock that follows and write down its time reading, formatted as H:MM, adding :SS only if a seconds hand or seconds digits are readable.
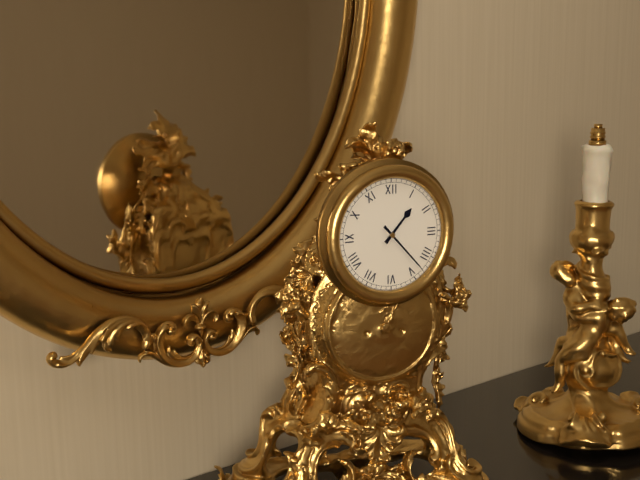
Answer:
1:23
